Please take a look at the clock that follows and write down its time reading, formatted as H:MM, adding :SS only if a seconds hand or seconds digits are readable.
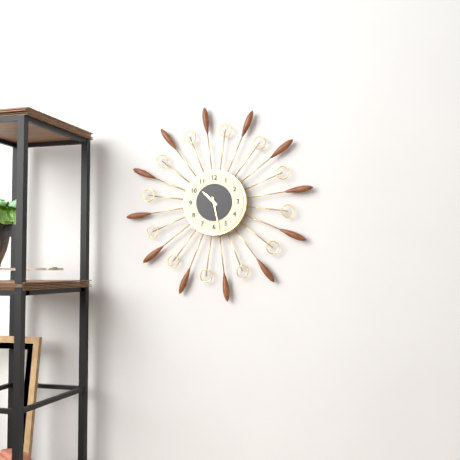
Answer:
10:28
